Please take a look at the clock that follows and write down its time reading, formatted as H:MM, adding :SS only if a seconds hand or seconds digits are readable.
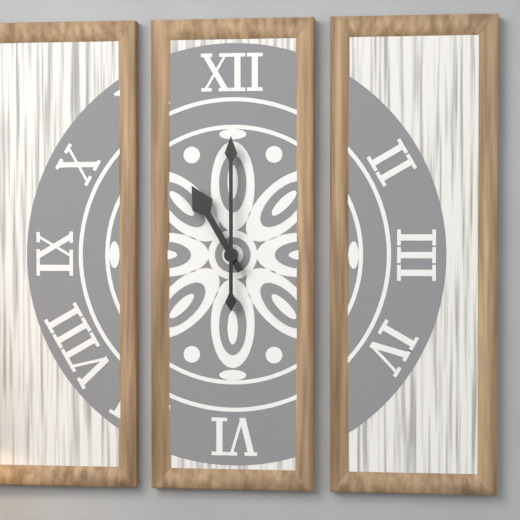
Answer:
11:00
